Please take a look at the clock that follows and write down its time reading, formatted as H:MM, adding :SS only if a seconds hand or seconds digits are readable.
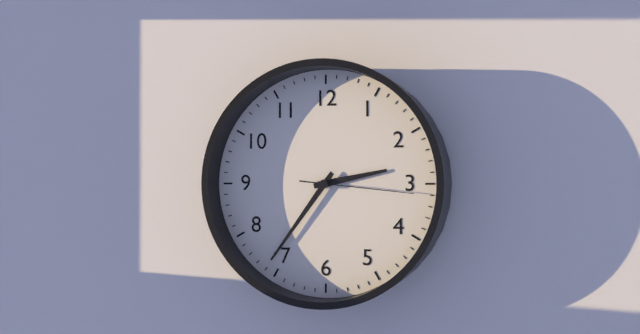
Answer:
2:36:16
